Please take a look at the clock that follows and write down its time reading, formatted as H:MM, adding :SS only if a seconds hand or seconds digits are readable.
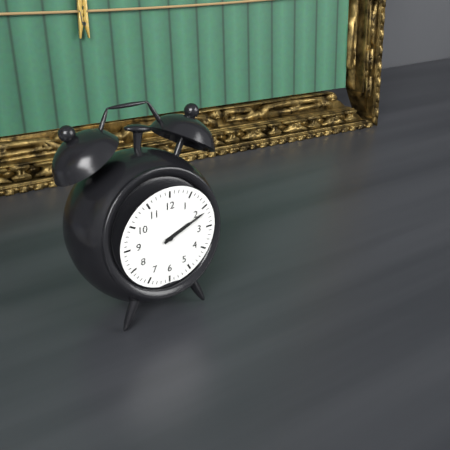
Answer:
2:11
